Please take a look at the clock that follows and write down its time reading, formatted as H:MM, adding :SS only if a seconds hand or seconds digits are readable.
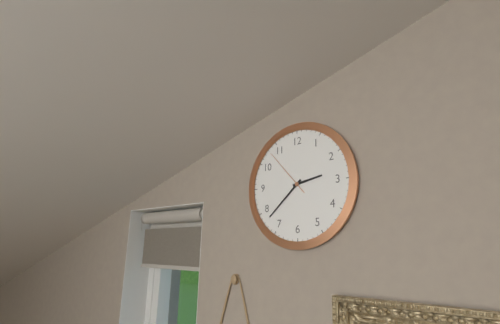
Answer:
2:38:53
